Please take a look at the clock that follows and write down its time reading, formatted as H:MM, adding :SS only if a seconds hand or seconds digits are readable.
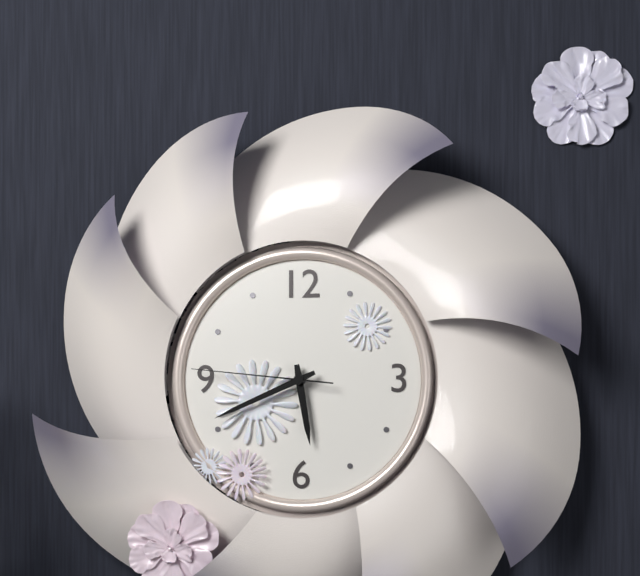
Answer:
5:41:46
